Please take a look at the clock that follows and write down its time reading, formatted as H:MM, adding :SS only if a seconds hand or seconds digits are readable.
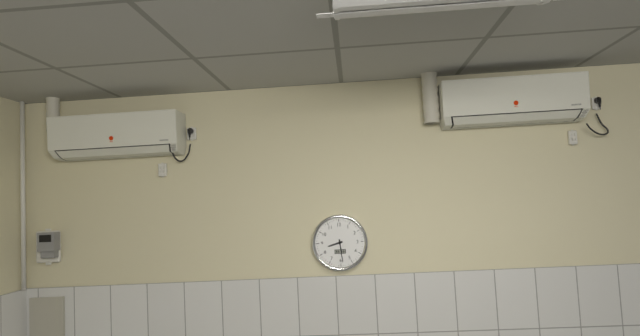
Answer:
8:29
